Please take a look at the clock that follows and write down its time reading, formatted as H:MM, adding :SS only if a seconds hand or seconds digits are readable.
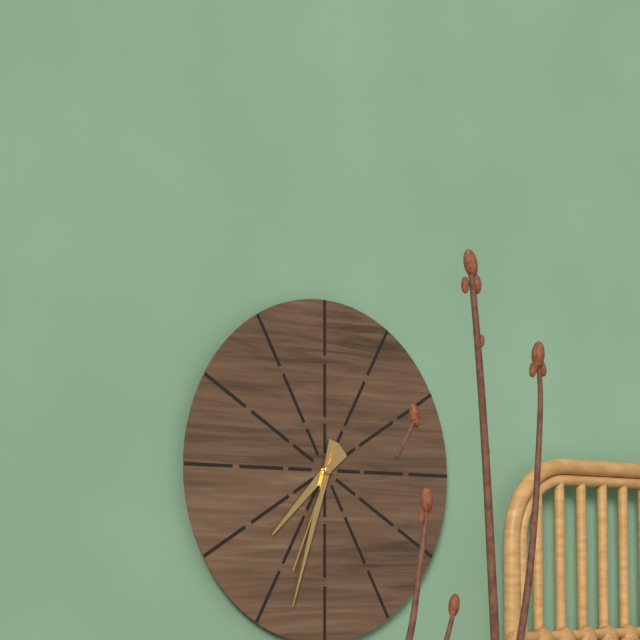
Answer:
7:33:34
